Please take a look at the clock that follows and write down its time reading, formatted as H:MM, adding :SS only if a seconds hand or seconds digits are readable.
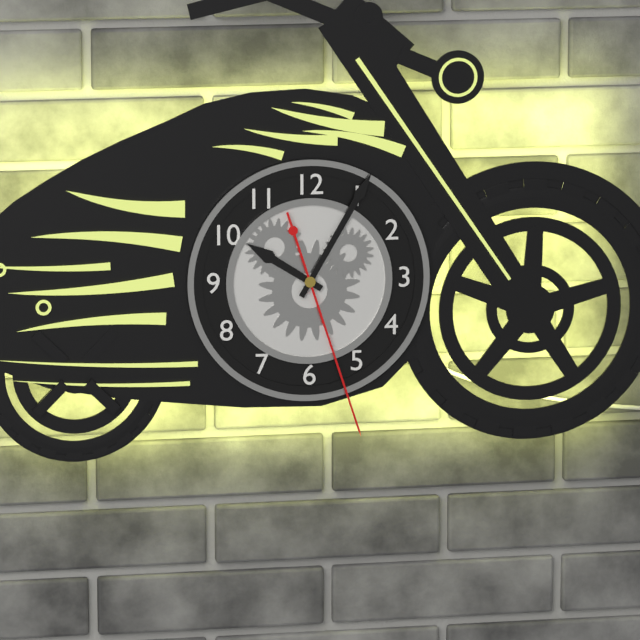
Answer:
10:05:27
